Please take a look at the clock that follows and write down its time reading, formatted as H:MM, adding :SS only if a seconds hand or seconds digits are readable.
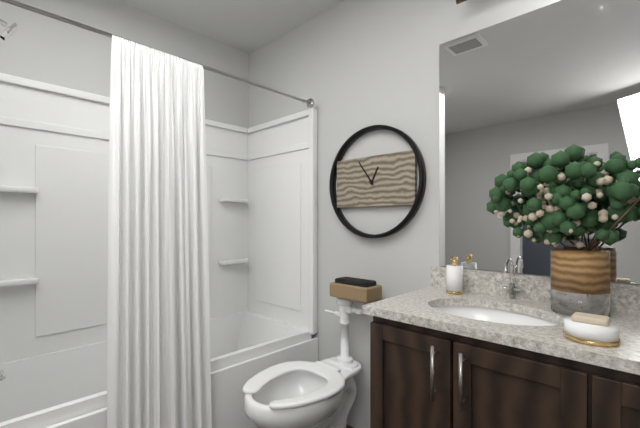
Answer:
12:54
